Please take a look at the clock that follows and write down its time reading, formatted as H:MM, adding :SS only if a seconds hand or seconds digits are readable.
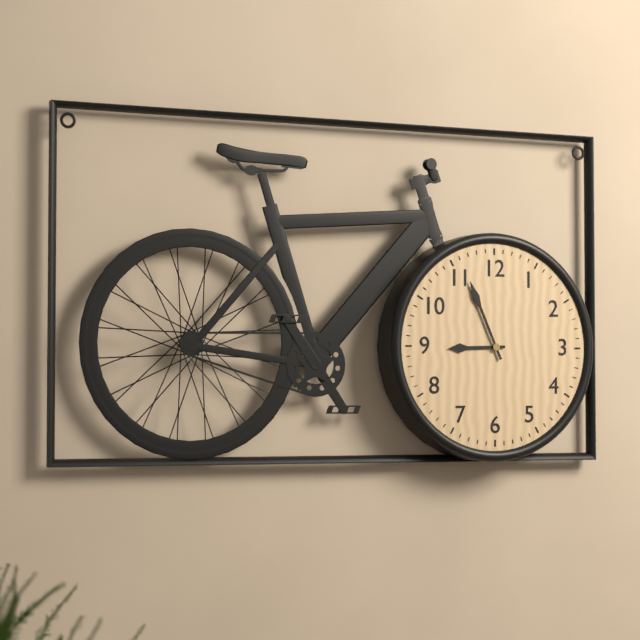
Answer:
8:56
